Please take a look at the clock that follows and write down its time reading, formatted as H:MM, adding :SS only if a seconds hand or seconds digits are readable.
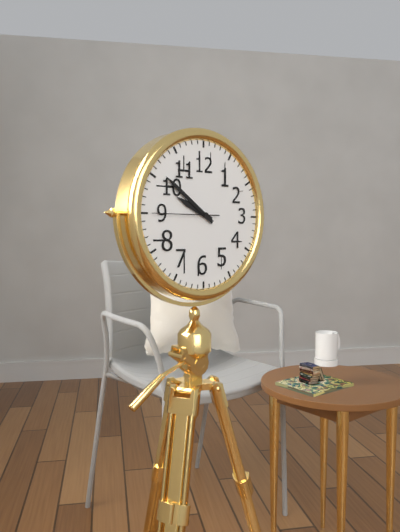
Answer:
9:51:45
